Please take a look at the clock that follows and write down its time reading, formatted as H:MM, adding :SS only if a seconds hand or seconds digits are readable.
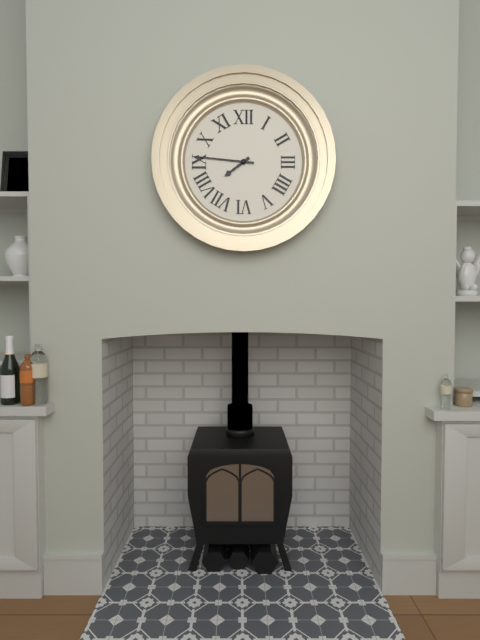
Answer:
7:46
